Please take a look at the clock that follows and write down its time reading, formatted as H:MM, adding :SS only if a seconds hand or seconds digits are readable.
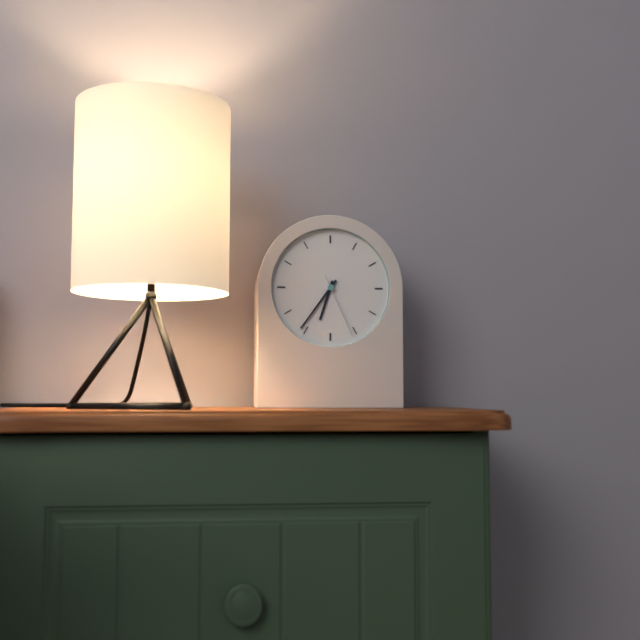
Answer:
6:36:26
